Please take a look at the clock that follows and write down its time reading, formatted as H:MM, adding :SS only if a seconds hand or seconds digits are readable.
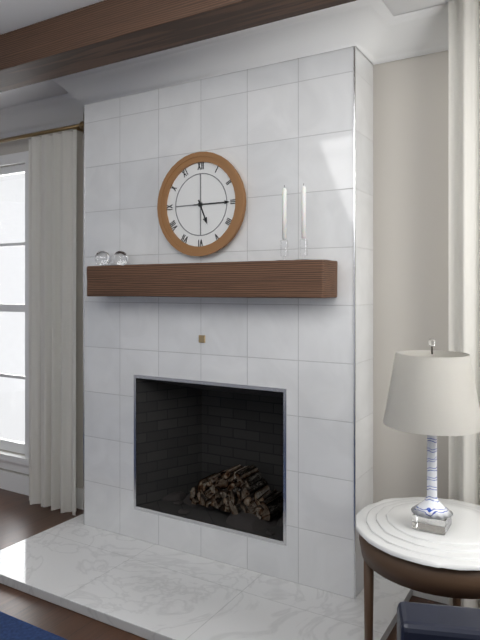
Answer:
5:15
